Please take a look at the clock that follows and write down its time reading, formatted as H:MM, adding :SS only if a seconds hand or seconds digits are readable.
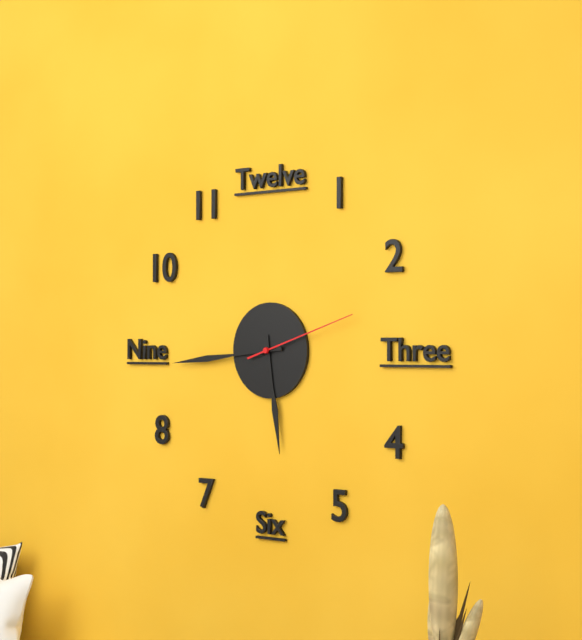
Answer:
5:44:12
